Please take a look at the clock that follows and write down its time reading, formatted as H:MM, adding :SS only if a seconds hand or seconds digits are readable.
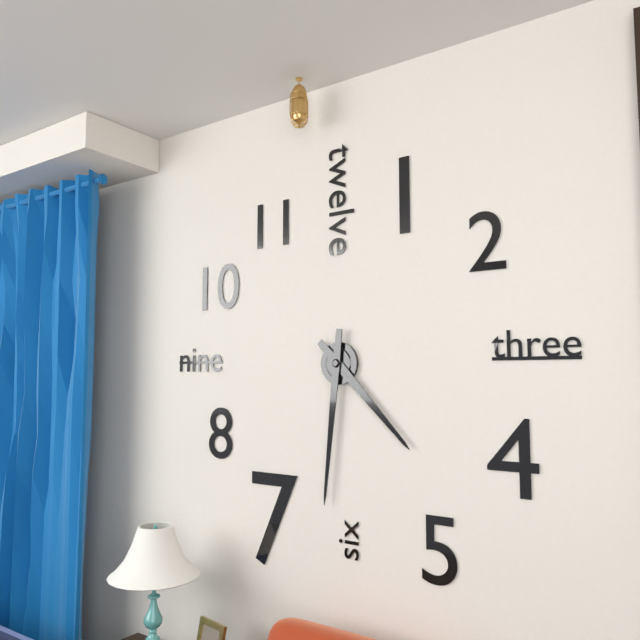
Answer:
4:31
